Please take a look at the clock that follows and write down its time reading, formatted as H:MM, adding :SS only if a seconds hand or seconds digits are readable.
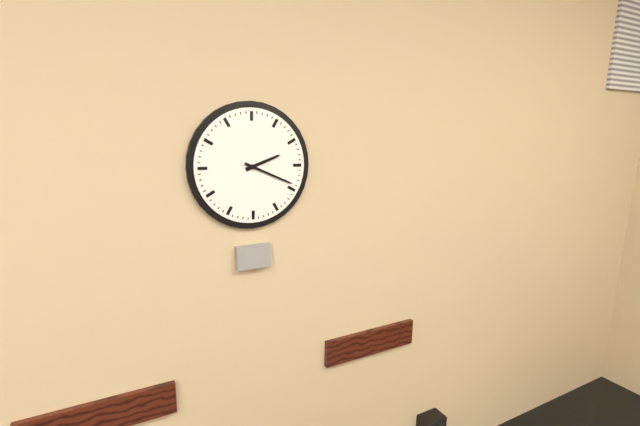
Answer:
2:19
